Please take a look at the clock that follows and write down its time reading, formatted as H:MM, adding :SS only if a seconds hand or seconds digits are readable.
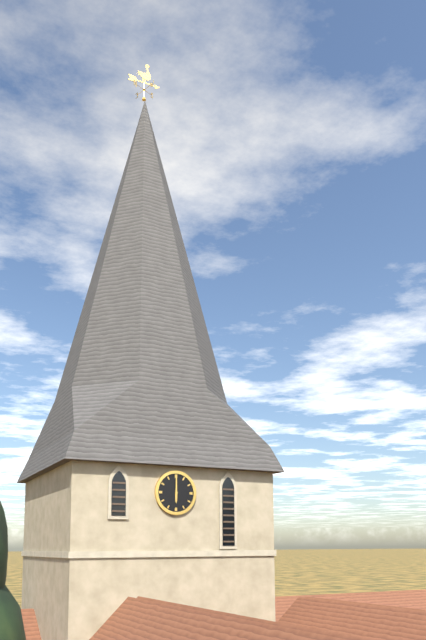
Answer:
6:00
